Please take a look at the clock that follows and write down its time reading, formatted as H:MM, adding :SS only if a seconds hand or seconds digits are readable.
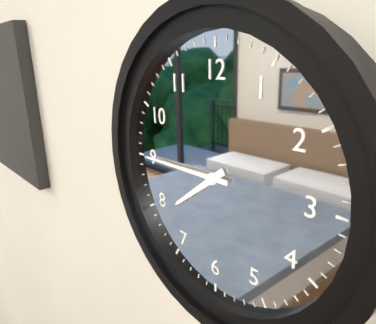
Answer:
7:45
